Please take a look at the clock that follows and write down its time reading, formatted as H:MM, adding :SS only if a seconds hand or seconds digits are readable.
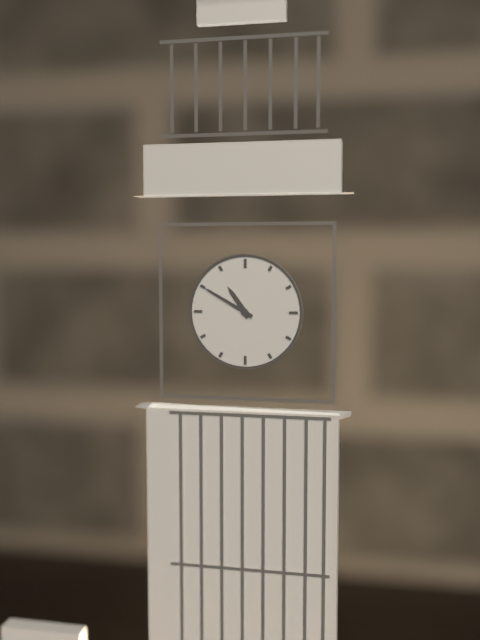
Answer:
10:50
